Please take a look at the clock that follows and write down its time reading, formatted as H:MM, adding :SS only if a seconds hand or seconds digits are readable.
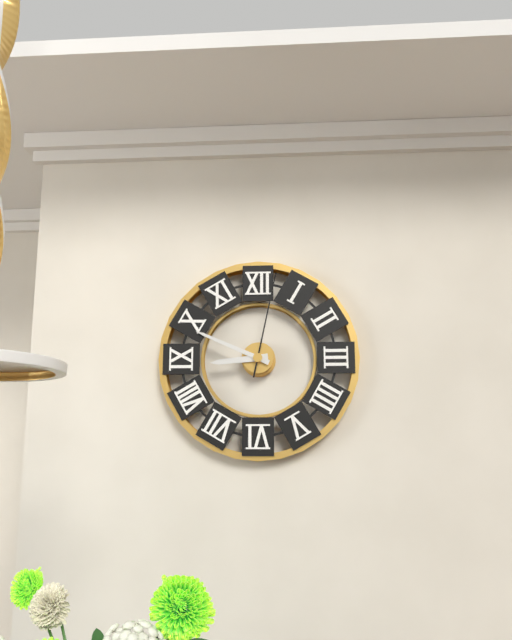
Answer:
8:49:02
